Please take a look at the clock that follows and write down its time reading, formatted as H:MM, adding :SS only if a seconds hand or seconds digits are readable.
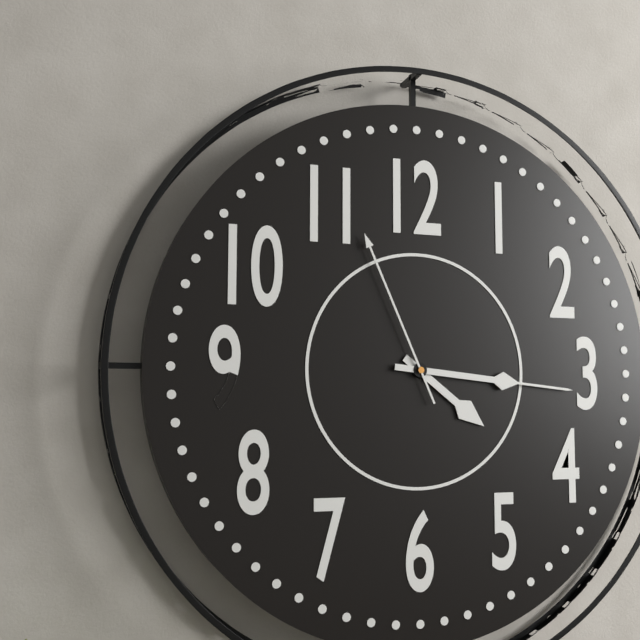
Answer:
4:16:56
